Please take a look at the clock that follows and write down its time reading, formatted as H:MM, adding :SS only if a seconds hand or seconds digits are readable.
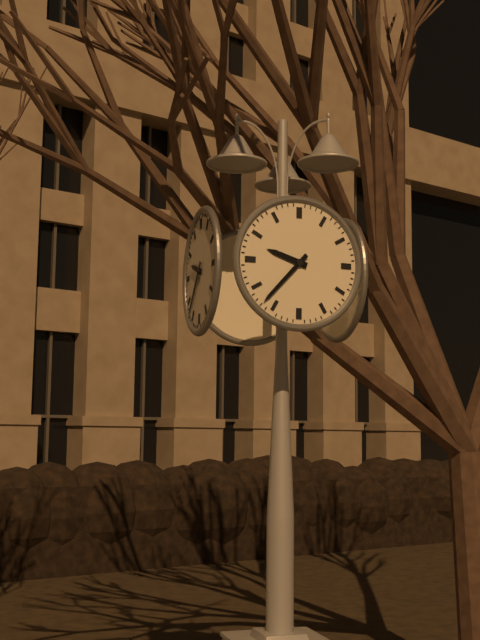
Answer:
9:37
